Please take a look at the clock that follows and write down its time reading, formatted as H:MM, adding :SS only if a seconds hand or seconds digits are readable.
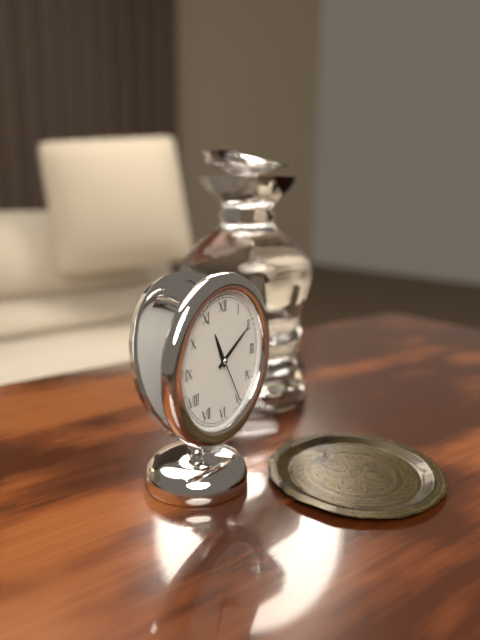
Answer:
11:10:25
